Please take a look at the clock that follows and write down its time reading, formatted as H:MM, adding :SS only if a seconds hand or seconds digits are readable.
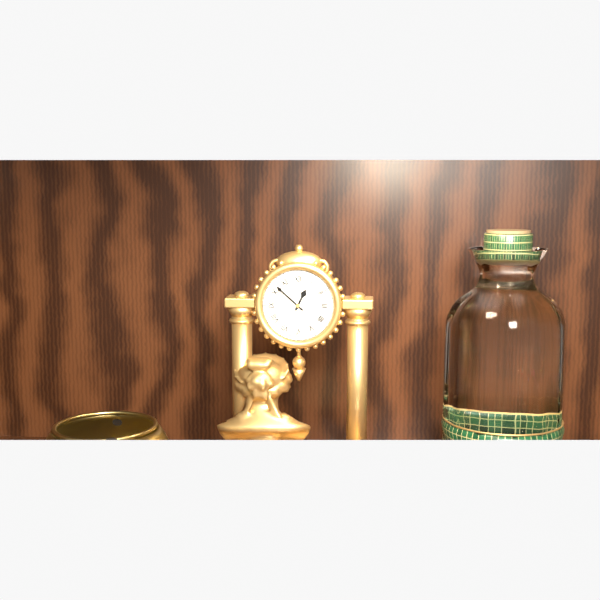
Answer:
12:52
